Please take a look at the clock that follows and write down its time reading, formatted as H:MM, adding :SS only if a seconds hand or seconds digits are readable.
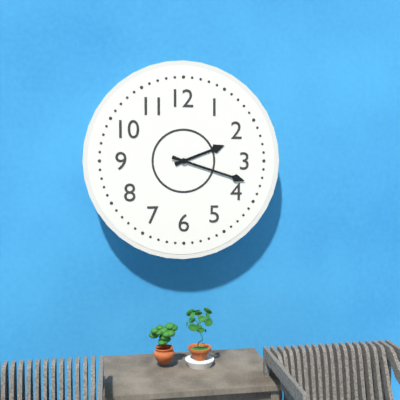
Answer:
2:18
